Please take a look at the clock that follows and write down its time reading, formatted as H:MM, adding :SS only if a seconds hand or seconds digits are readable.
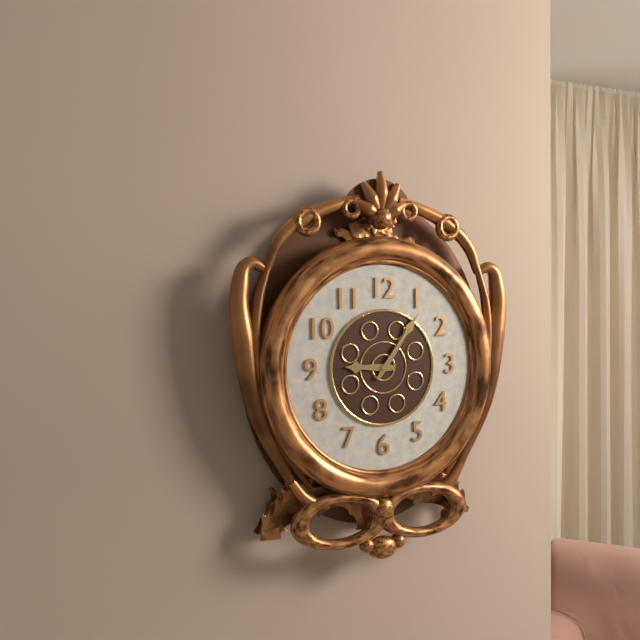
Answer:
9:06
